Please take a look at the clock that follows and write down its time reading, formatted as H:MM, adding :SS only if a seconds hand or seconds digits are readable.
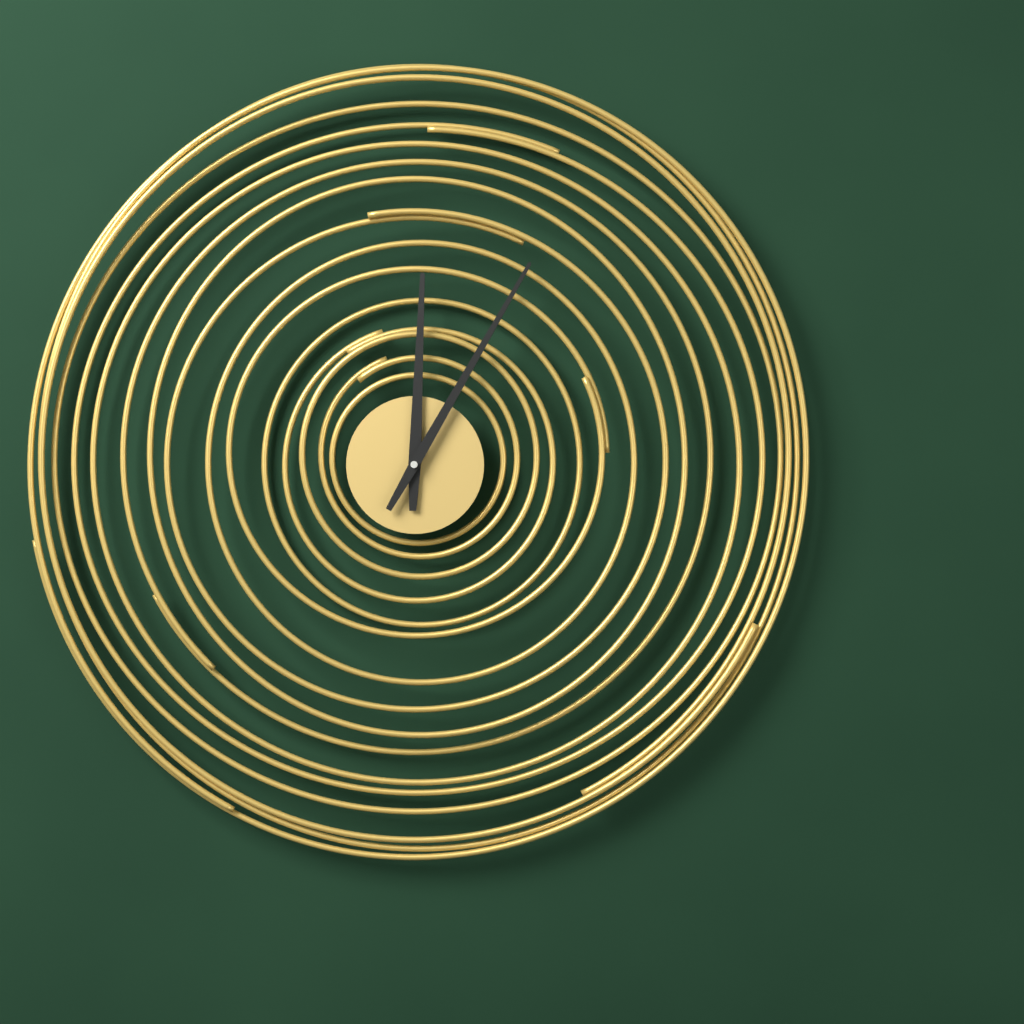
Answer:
12:05
